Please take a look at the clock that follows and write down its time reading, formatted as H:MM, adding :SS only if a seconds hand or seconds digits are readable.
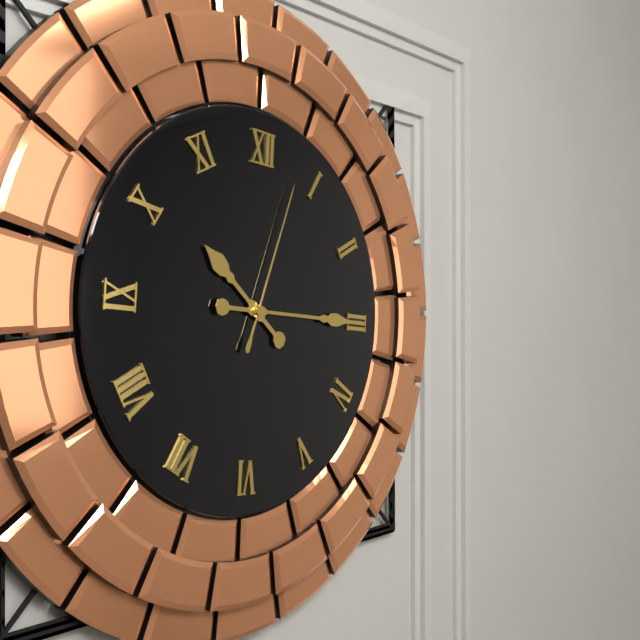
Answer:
10:15:03
